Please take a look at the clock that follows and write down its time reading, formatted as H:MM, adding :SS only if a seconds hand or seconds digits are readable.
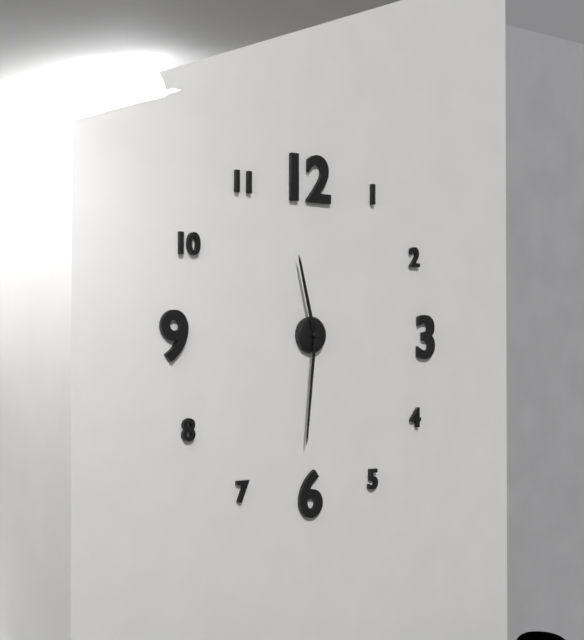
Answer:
11:31
